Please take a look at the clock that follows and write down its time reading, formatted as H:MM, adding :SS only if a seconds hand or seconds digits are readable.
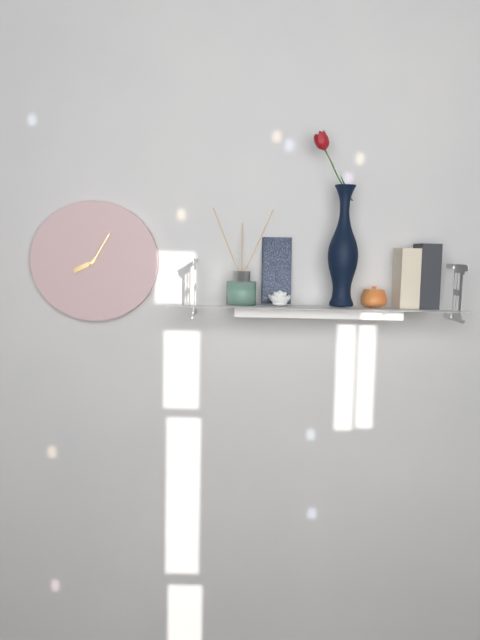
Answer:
8:05
